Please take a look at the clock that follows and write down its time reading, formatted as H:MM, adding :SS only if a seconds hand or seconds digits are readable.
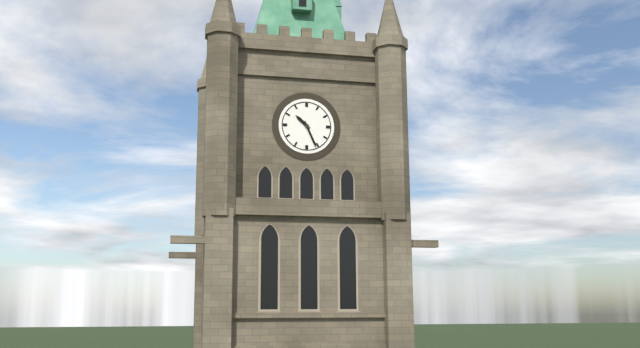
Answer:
10:26
